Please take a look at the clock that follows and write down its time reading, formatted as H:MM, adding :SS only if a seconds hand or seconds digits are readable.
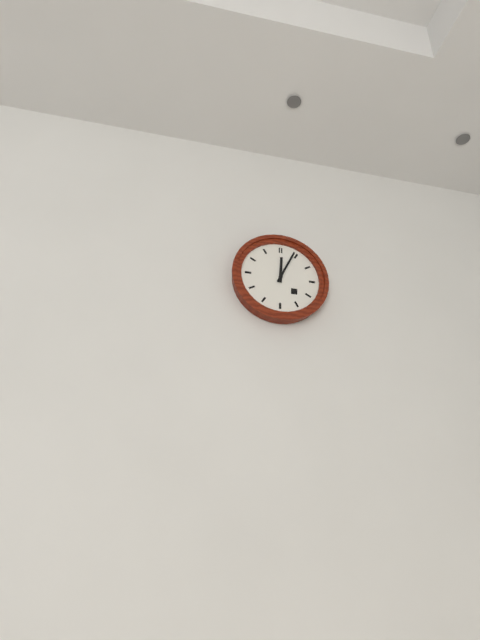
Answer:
12:04
